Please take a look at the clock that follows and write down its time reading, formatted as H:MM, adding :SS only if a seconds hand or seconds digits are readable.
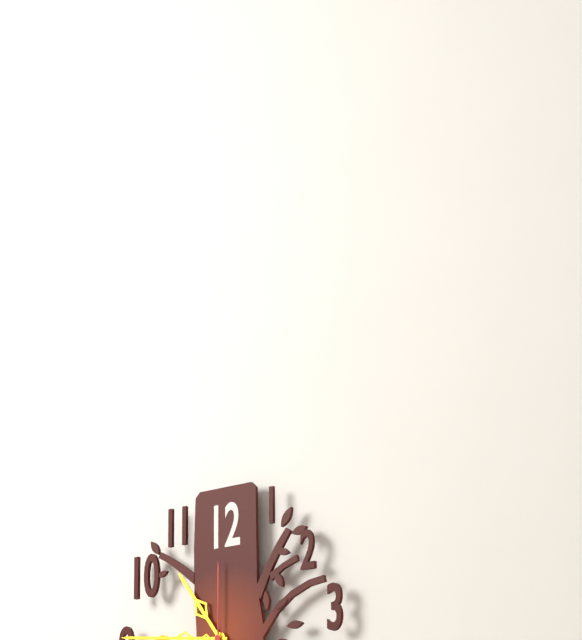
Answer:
10:46:00
